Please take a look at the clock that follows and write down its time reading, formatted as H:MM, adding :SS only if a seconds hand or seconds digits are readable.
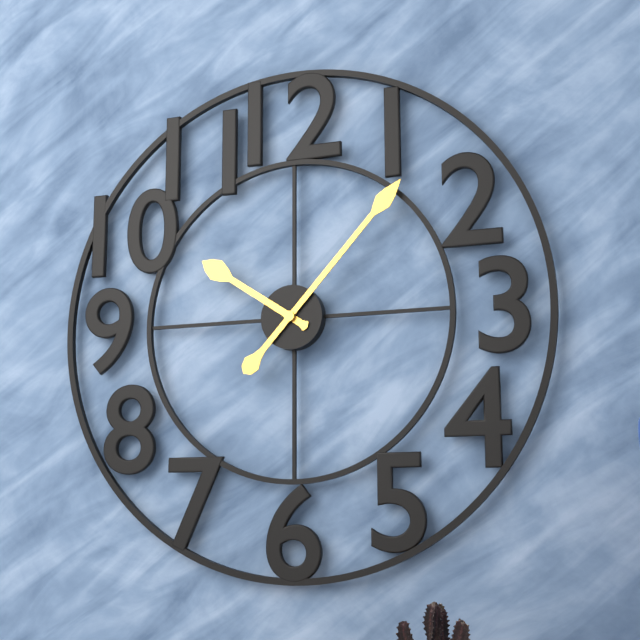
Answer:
10:07
